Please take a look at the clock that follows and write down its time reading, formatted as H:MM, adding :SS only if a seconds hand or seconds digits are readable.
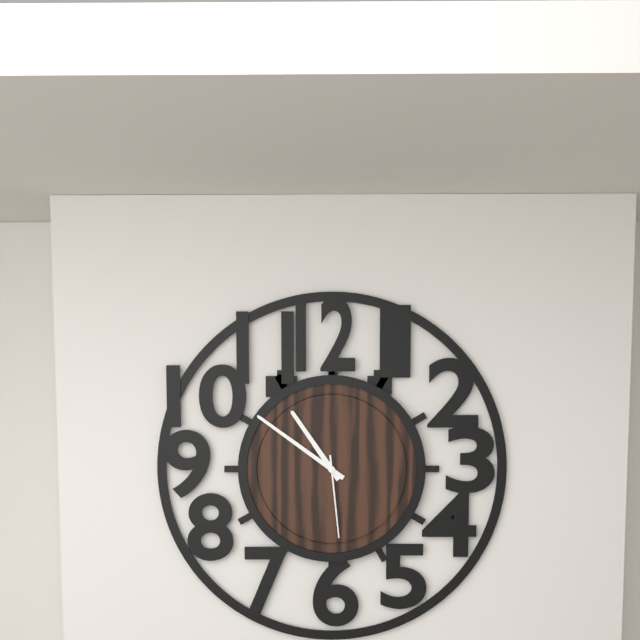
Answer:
10:51:29
